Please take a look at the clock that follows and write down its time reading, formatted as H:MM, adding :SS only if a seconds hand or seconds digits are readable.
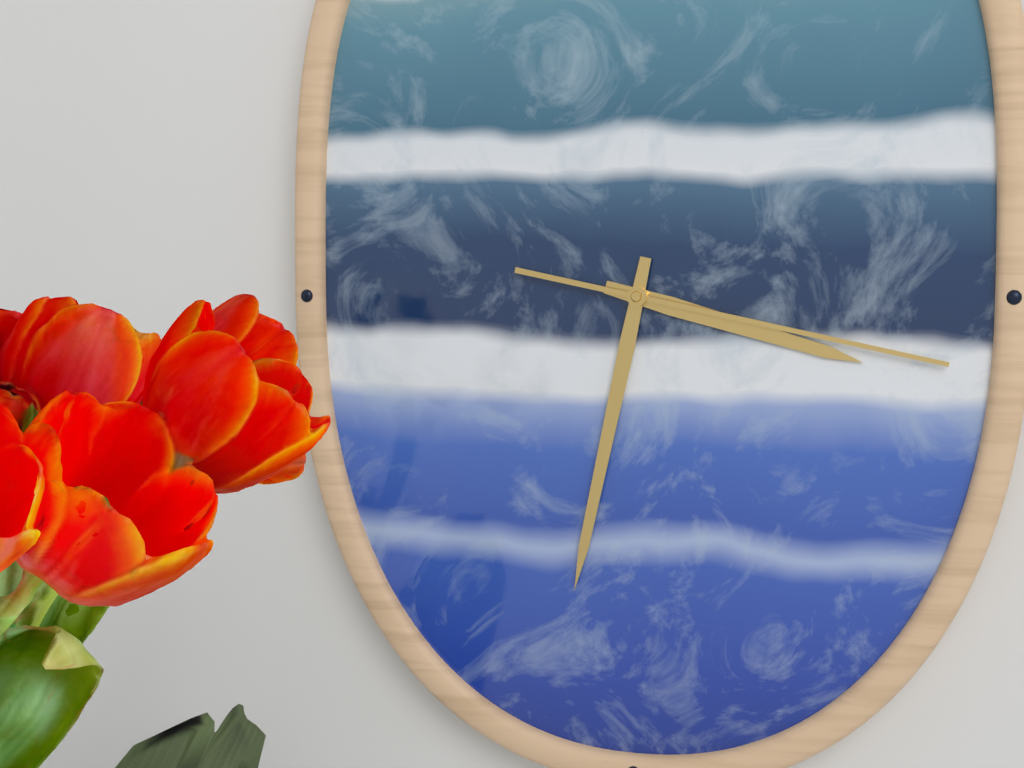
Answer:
3:32:17
